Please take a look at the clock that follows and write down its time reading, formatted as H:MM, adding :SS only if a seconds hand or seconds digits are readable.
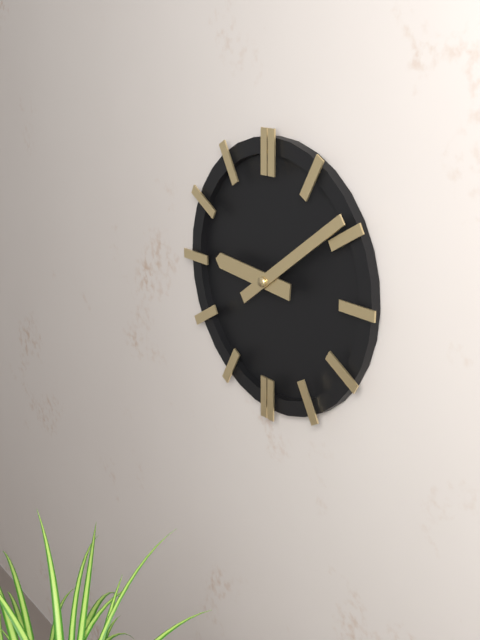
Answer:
9:09
